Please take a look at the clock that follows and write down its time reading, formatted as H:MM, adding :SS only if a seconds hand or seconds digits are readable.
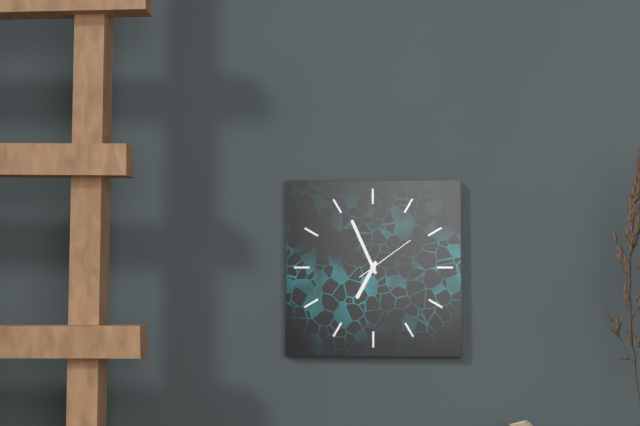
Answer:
6:56:09
